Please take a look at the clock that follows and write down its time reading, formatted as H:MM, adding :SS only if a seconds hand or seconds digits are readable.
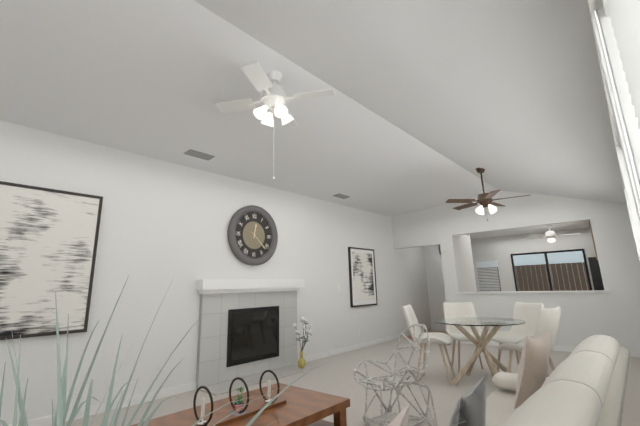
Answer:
12:22
